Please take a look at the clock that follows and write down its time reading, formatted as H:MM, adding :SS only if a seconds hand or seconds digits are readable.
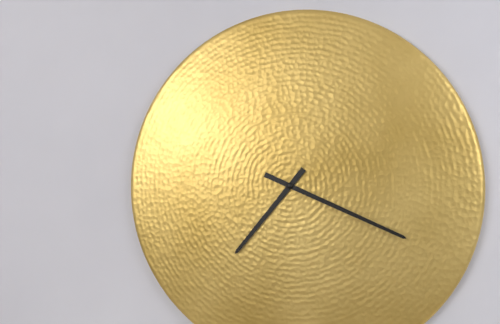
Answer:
7:19
